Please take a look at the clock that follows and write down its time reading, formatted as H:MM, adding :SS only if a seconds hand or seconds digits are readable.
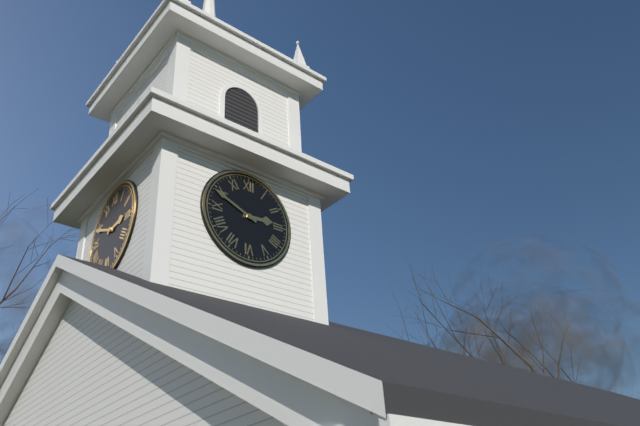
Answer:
2:49
